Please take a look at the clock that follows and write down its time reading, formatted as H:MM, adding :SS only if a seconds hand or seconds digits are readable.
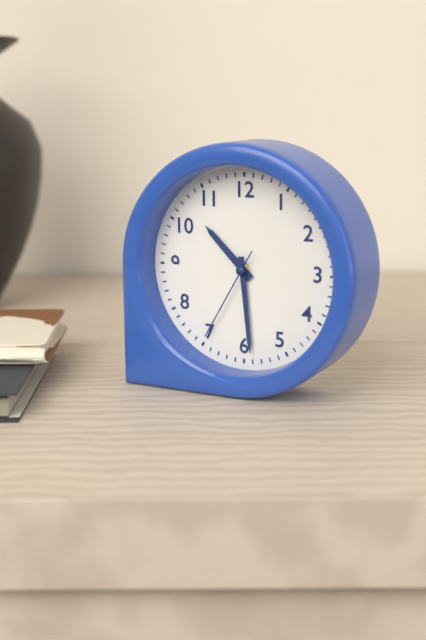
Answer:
10:29:35
